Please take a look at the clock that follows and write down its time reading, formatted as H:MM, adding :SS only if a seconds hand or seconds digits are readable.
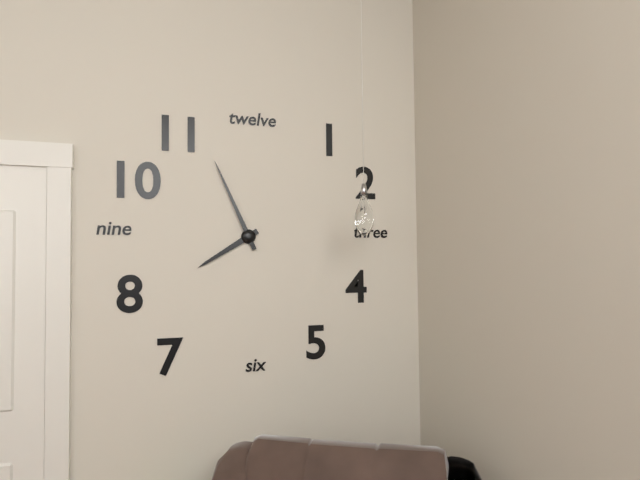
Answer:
7:56
